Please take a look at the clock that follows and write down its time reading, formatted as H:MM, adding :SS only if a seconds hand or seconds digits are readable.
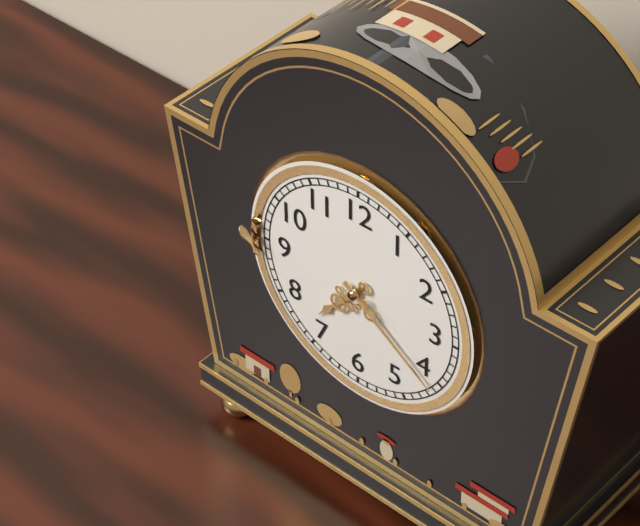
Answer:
7:21
